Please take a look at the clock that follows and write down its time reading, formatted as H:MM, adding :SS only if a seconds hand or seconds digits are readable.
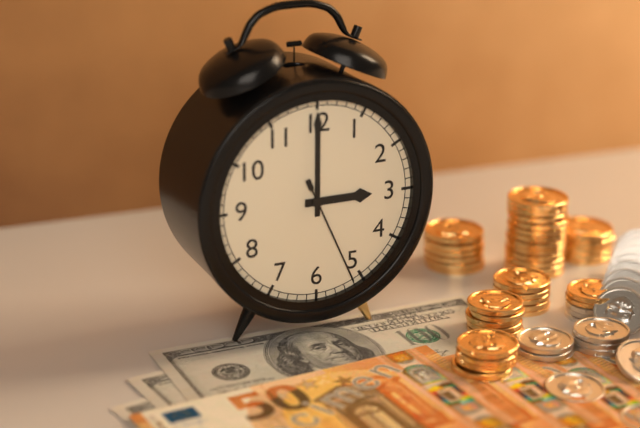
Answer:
3:00:26
